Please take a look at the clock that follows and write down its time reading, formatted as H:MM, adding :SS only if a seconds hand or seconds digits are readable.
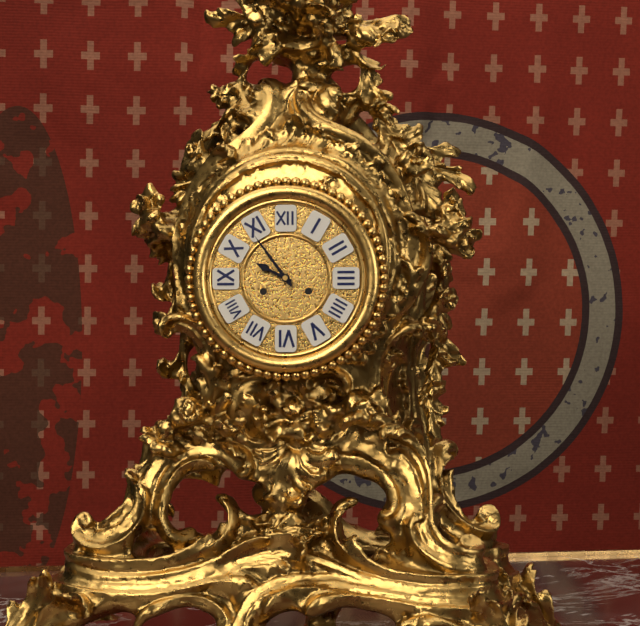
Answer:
9:54
